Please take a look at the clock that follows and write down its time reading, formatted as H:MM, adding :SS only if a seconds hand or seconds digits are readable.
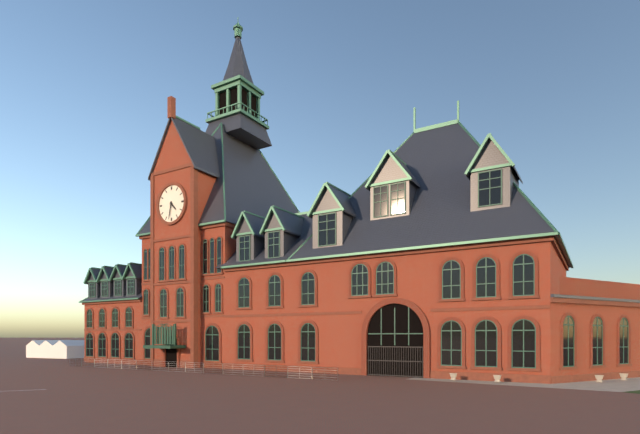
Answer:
4:32
